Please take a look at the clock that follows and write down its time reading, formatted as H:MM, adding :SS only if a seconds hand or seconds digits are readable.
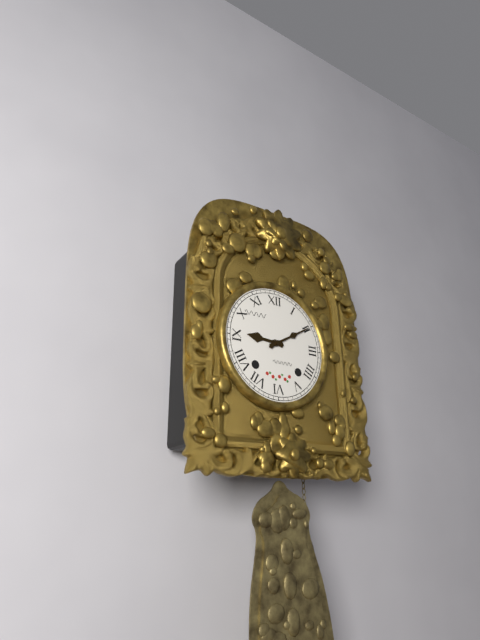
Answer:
9:10
